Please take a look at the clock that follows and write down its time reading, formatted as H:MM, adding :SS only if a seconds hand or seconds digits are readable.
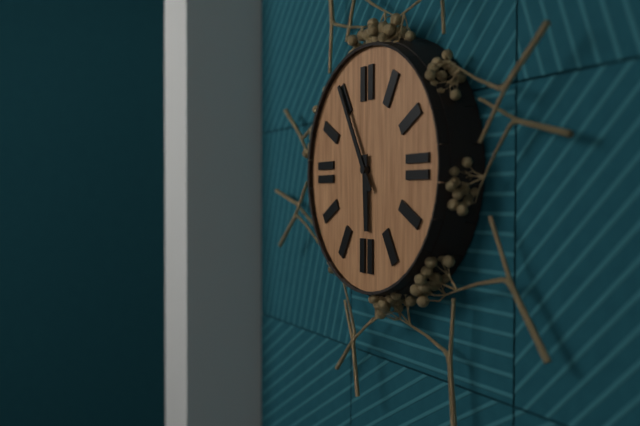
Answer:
5:55
